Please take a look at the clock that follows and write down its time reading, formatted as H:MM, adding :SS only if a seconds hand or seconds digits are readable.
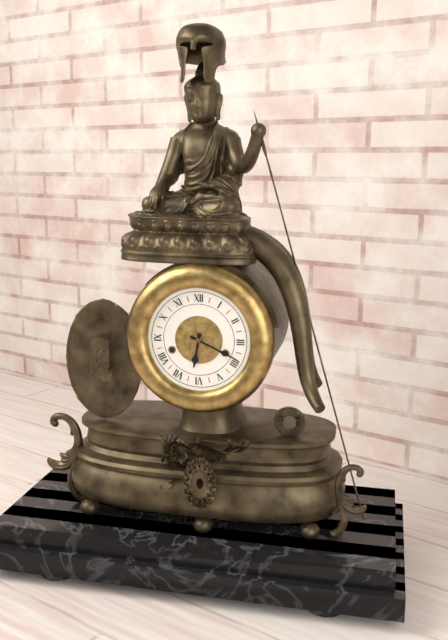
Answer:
6:19
